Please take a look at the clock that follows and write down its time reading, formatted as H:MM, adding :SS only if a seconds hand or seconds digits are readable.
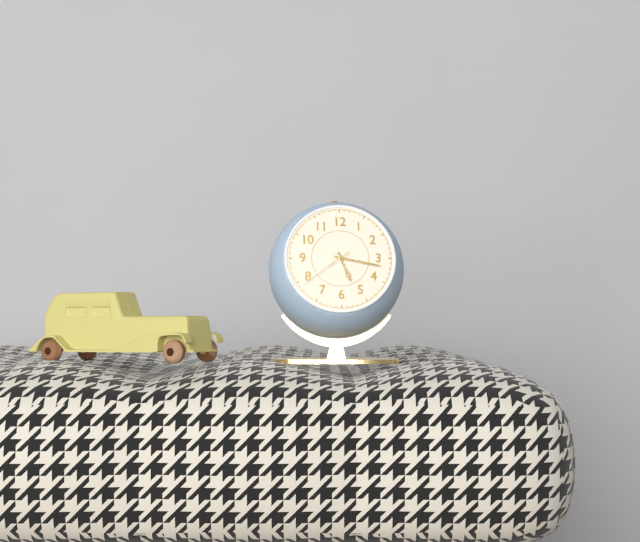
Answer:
5:17
